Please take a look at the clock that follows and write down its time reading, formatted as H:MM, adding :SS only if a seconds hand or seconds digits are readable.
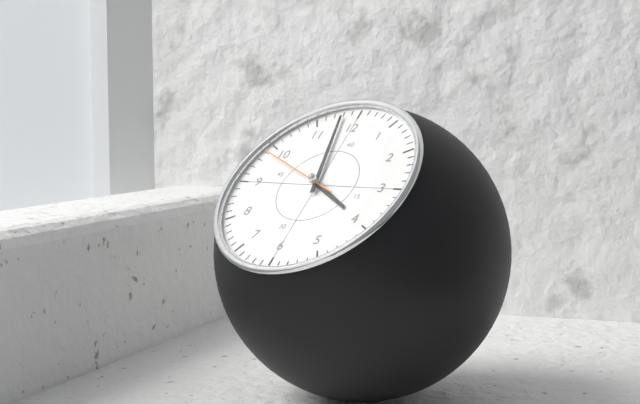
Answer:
3:58:49
